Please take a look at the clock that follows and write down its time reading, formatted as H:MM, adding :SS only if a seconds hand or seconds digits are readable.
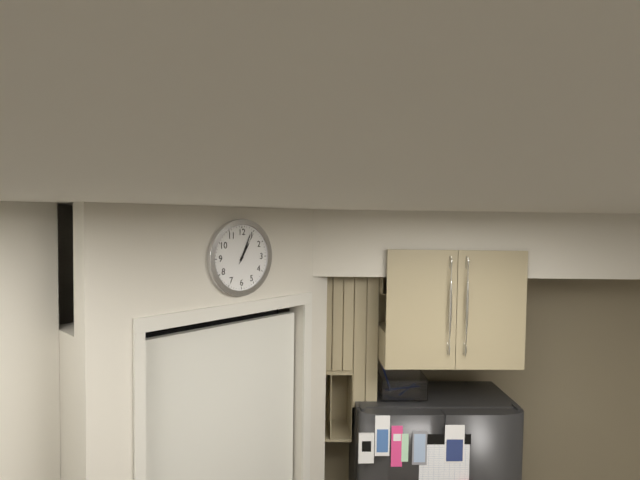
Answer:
1:04
